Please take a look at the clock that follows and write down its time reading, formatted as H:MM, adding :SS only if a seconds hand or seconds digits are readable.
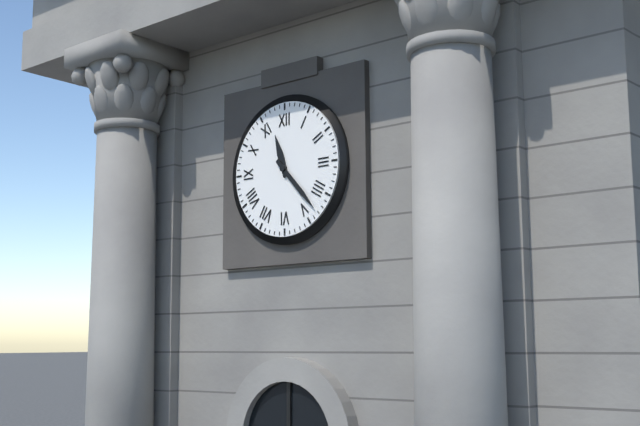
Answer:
11:23
